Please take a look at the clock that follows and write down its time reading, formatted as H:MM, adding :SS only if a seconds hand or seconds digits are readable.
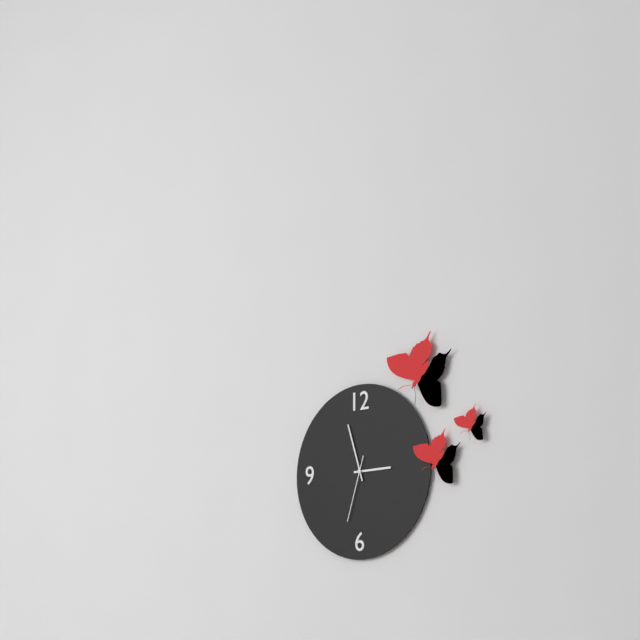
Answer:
2:57:33
